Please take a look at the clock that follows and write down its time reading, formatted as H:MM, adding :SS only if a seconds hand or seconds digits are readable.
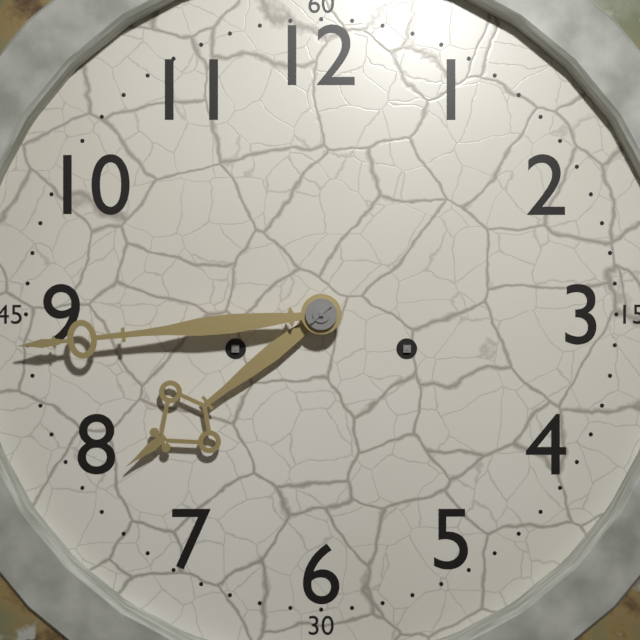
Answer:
7:44
